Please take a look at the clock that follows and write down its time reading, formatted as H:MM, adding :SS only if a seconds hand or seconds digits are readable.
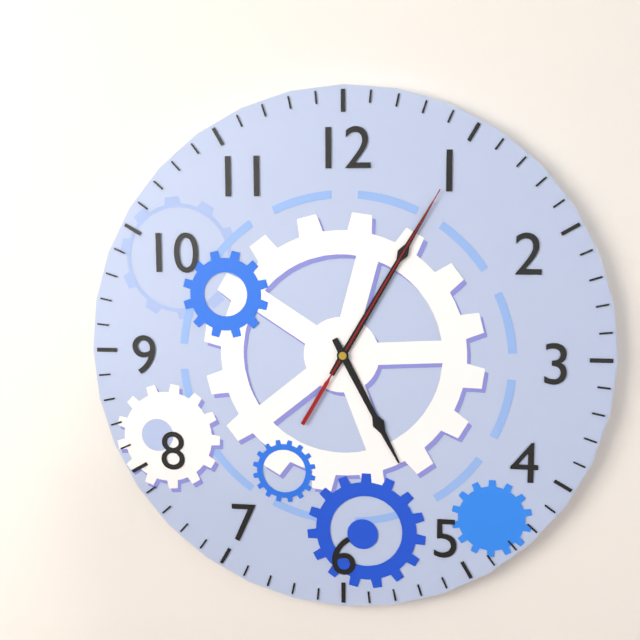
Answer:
5:05:05
